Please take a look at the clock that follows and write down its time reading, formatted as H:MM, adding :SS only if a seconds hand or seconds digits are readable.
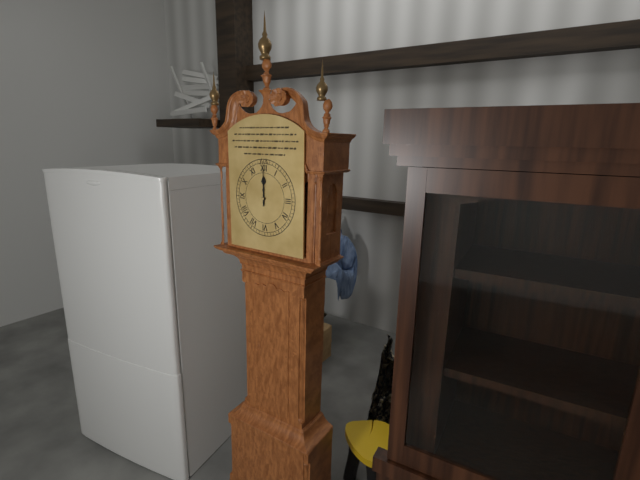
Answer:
12:00
